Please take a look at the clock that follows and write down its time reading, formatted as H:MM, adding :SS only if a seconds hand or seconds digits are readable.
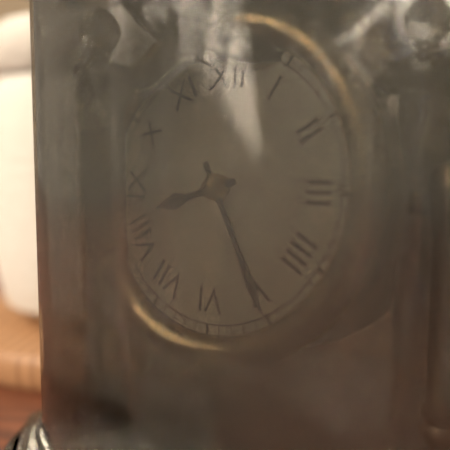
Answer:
8:25
